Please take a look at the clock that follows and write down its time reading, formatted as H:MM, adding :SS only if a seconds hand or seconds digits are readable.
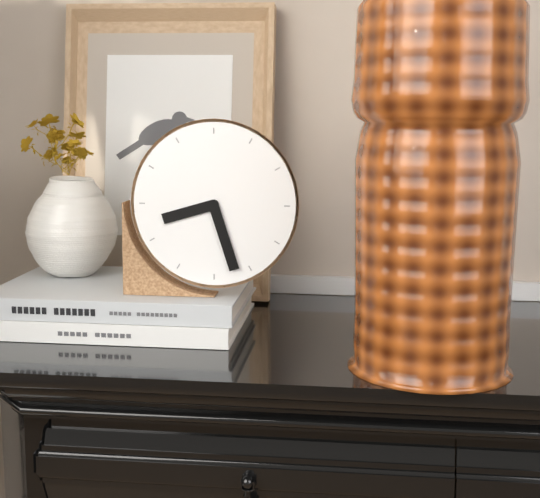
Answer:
8:27
